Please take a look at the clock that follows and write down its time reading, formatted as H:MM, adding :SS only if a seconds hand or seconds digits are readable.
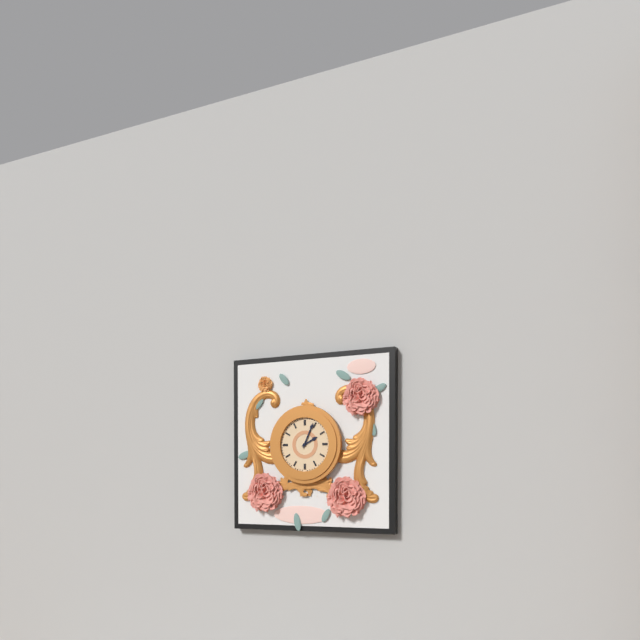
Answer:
2:04
